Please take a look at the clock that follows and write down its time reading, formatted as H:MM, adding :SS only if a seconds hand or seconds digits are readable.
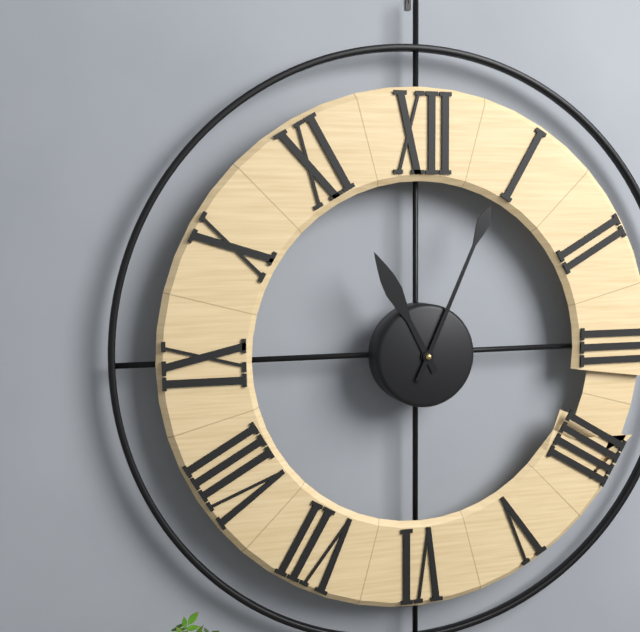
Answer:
11:04
